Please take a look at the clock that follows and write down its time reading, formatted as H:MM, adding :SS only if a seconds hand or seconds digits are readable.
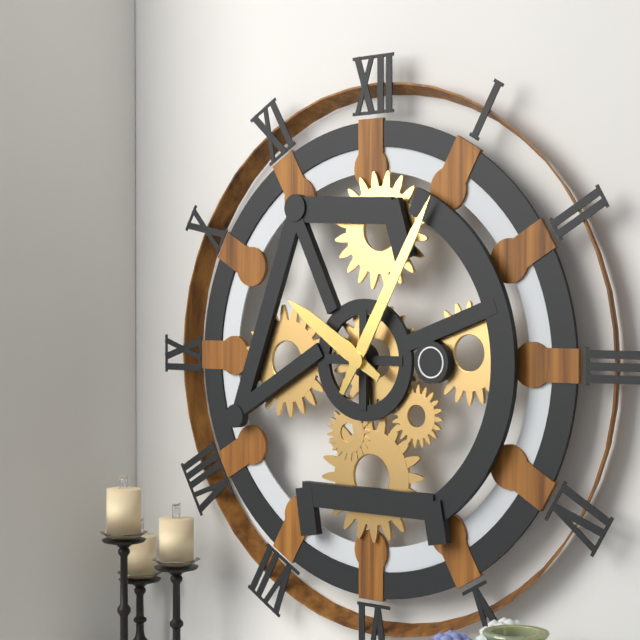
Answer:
10:05
